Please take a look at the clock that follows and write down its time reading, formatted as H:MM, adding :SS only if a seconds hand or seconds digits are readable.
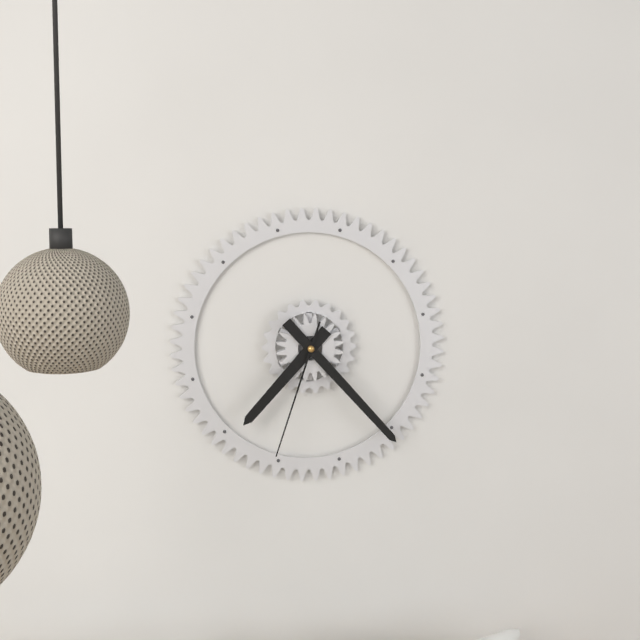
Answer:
7:23:33
